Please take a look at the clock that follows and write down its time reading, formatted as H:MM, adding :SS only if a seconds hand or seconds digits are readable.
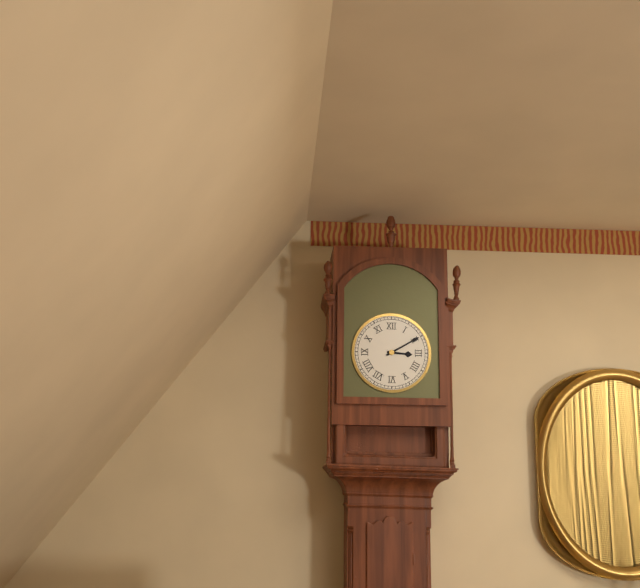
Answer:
3:10
